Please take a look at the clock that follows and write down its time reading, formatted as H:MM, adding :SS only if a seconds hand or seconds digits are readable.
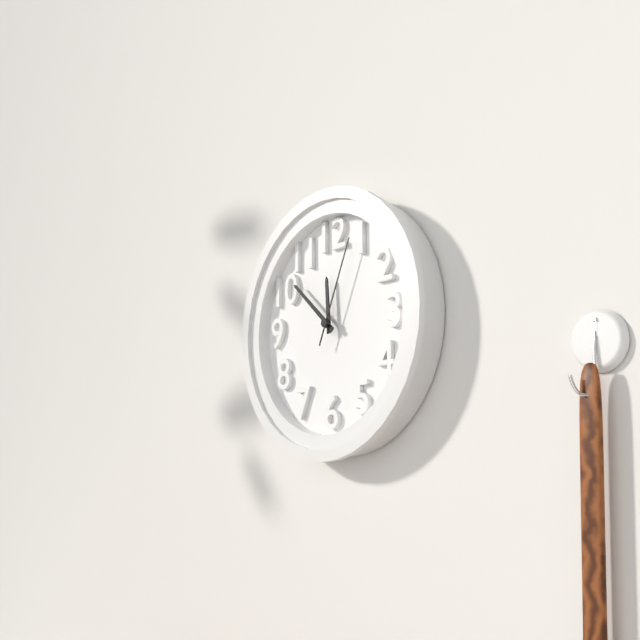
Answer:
11:52:04
